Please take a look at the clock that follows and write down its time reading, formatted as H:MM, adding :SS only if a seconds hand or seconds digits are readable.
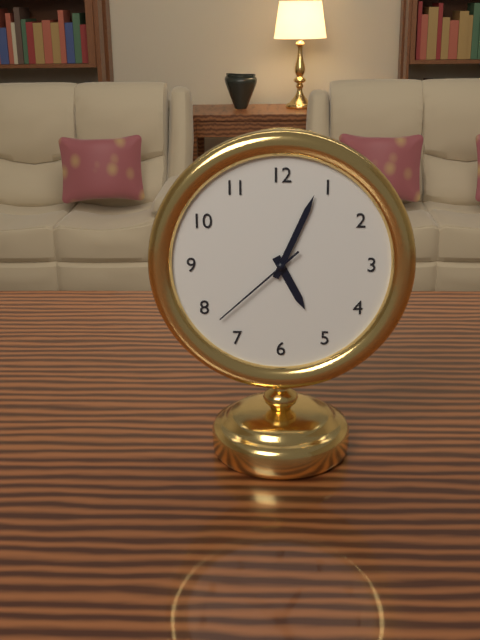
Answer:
5:04:38
